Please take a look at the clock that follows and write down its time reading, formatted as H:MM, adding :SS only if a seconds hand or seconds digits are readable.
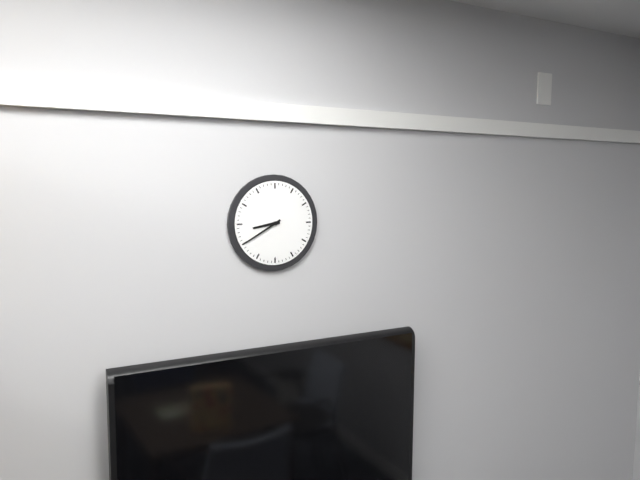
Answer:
8:40
